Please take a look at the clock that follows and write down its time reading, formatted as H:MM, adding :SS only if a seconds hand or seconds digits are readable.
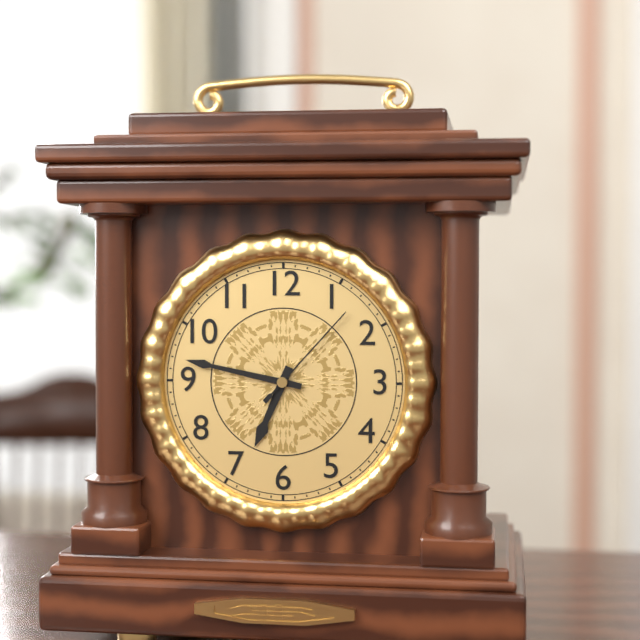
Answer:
6:47:07
